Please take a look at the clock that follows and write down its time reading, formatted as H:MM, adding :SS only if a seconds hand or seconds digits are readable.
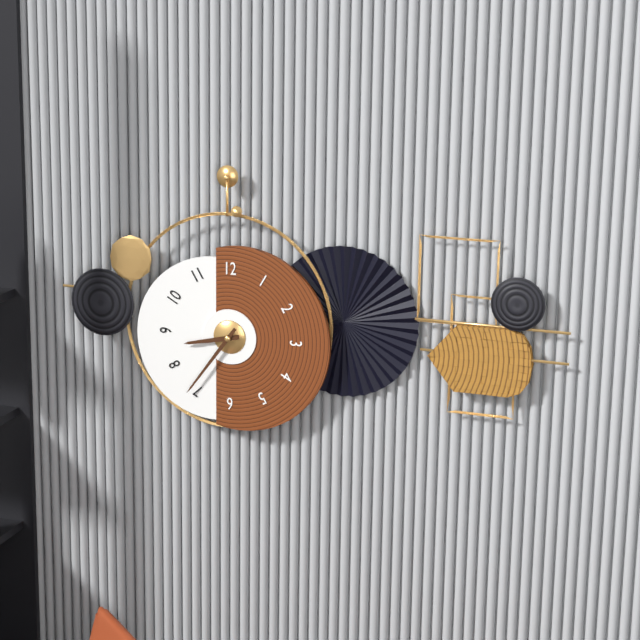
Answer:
8:36
